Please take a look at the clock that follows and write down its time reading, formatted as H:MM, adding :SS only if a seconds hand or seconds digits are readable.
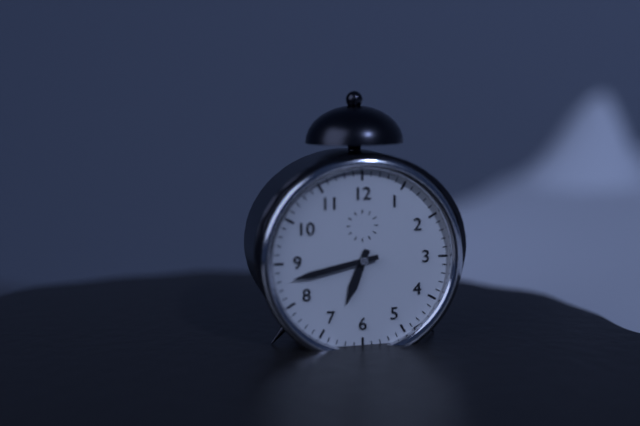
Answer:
6:43
